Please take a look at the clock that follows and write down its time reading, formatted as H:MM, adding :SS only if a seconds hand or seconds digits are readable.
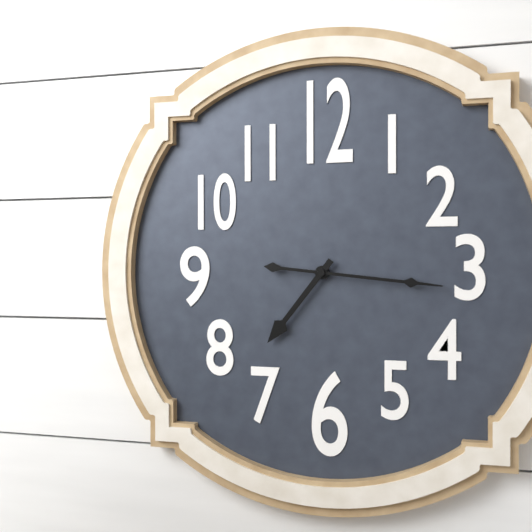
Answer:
7:16
